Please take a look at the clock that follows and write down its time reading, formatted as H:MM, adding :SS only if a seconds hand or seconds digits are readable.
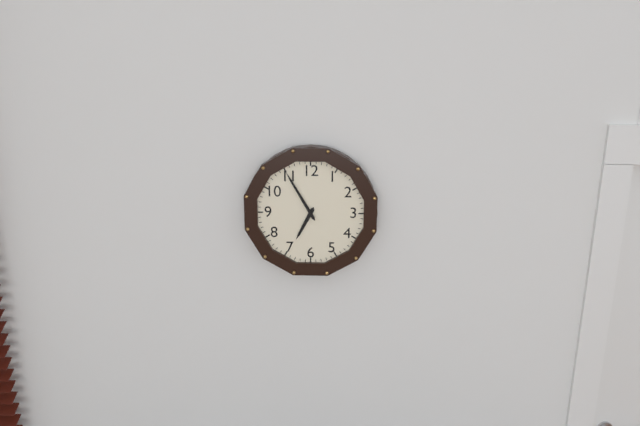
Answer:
6:55
